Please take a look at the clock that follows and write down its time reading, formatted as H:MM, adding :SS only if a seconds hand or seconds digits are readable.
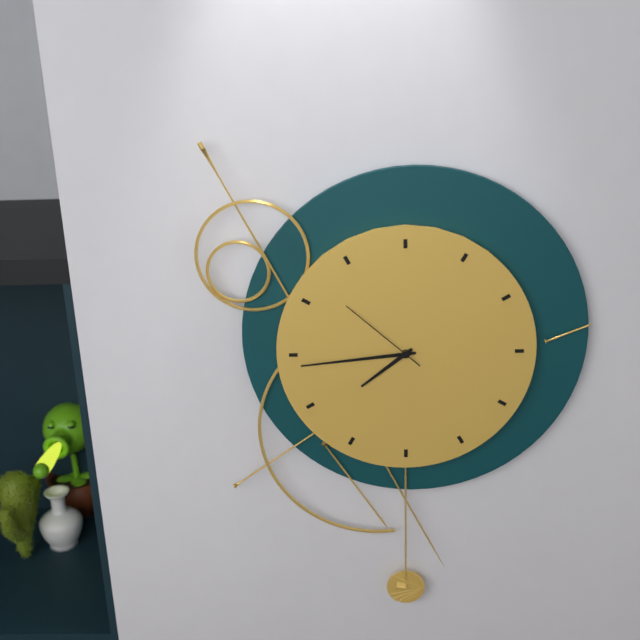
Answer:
7:44:52
